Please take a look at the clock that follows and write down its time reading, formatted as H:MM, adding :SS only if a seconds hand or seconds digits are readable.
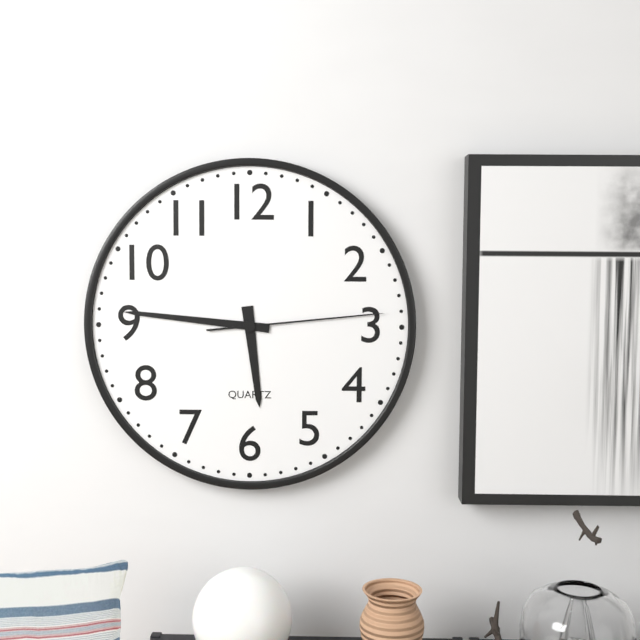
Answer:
5:46:14
